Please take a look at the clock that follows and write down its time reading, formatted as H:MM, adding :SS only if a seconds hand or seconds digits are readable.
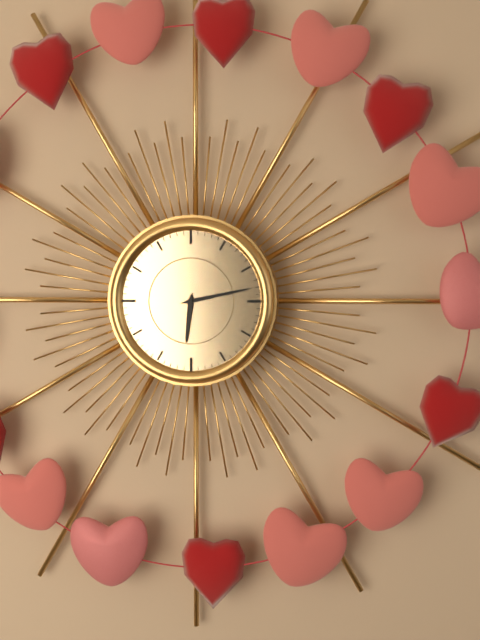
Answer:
6:13
